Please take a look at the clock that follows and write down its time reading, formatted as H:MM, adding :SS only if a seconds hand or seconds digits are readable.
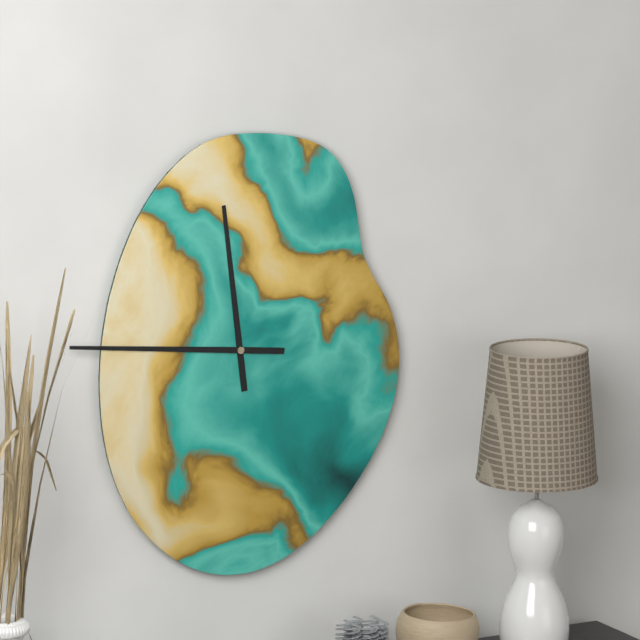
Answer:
11:46
